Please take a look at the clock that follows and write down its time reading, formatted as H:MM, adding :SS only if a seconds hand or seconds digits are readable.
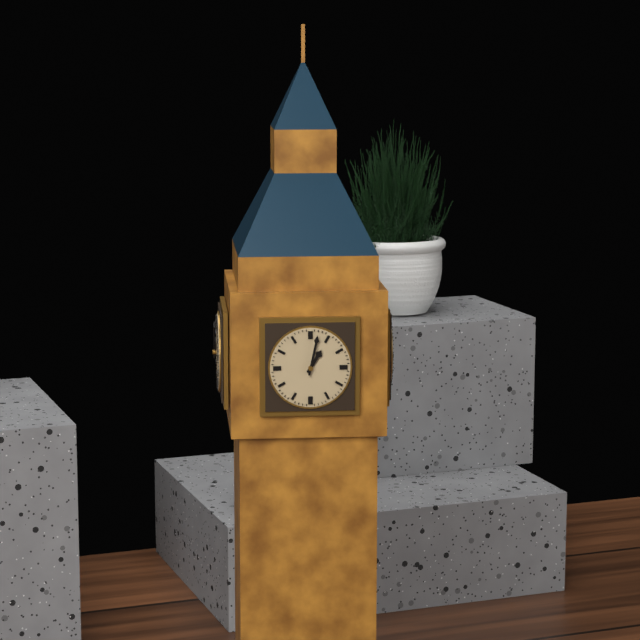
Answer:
1:02
